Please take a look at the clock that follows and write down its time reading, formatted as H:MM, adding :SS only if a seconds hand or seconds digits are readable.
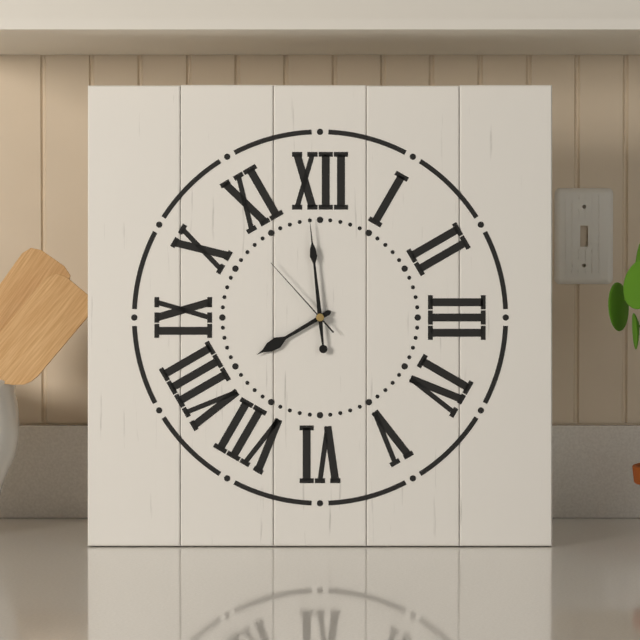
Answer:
7:59:53
